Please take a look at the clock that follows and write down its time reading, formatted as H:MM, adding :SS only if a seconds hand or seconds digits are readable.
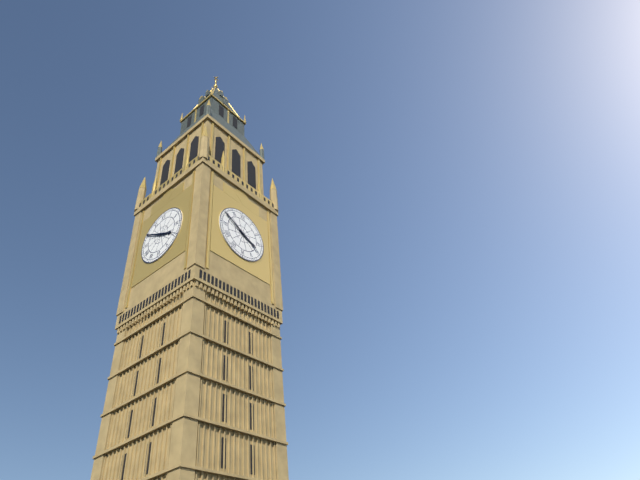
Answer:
3:50
